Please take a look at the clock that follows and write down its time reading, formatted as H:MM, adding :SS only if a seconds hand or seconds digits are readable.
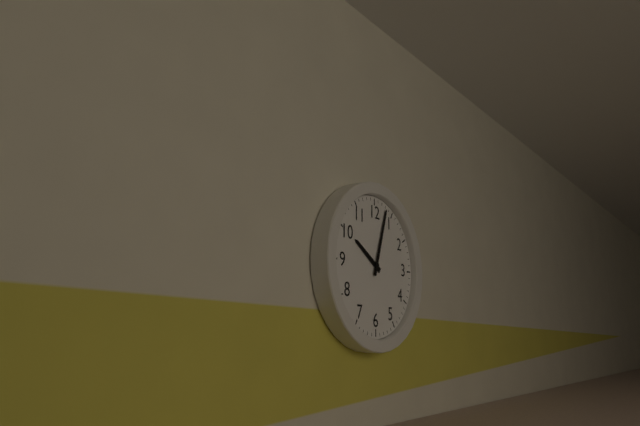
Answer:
10:03
